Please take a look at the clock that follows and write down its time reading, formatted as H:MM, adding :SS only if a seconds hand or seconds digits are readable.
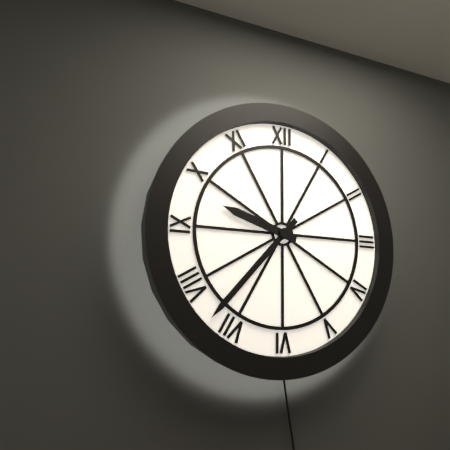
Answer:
9:37
